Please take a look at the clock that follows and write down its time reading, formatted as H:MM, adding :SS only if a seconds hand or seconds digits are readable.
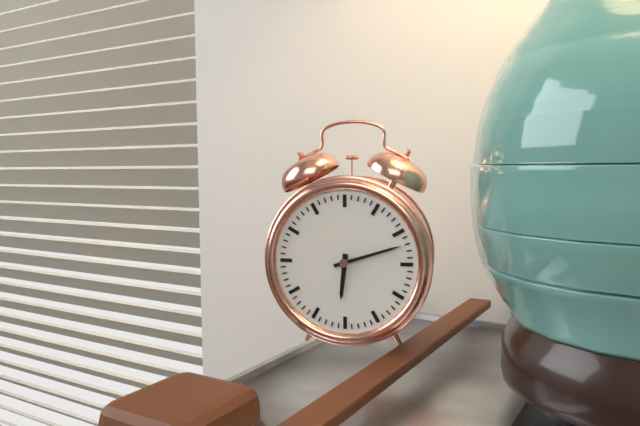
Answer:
6:12
